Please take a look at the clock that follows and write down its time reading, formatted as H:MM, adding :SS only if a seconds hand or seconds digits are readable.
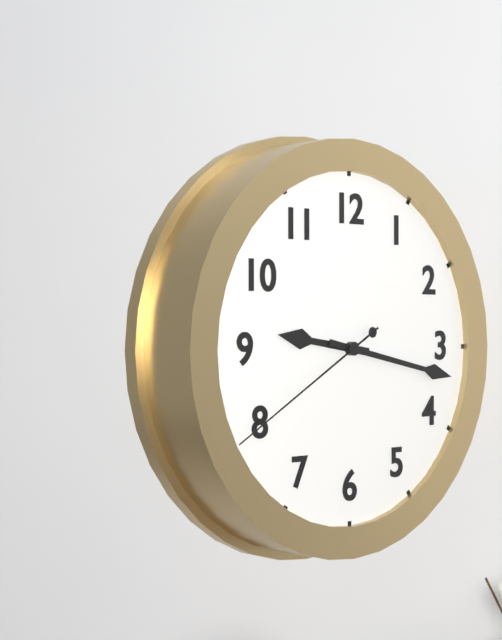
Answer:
9:17:40
